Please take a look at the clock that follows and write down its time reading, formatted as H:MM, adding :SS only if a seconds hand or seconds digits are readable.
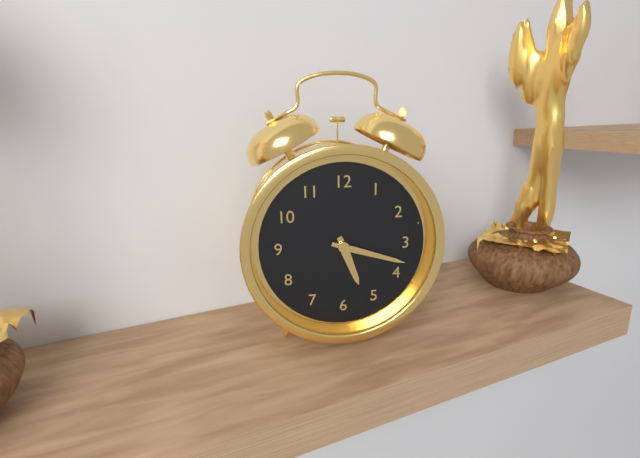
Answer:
5:18
